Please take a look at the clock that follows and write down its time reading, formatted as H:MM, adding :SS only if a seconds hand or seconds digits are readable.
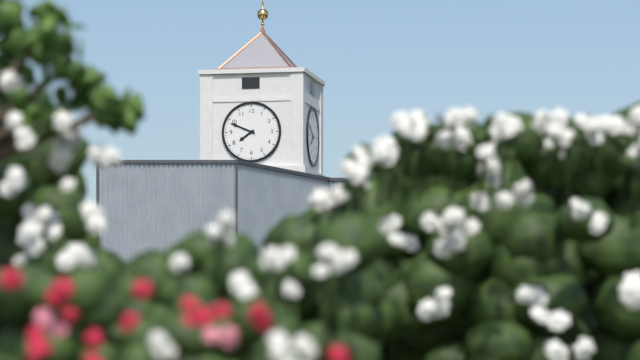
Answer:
7:49
